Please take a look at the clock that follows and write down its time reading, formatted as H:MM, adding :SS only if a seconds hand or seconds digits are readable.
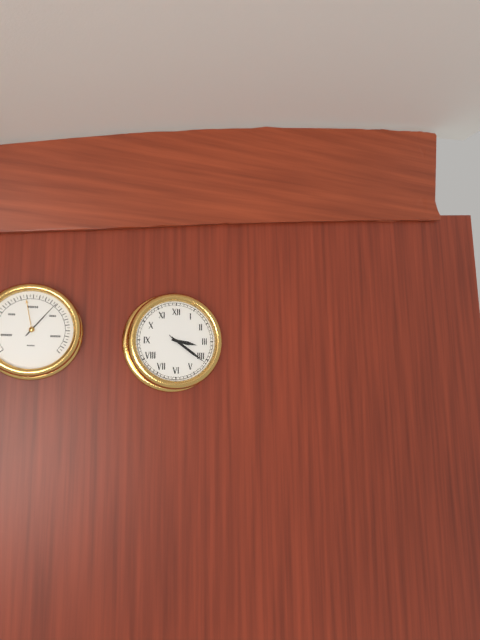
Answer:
3:21
